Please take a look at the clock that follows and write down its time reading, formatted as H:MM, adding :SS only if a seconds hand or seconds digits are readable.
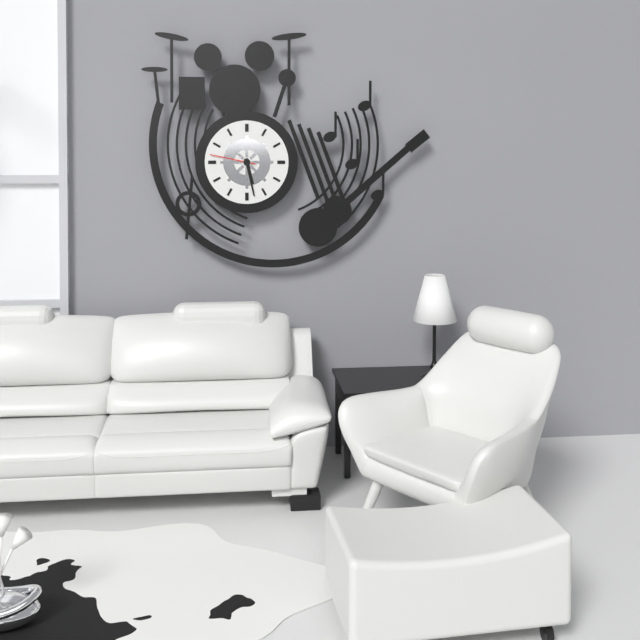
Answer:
5:28
